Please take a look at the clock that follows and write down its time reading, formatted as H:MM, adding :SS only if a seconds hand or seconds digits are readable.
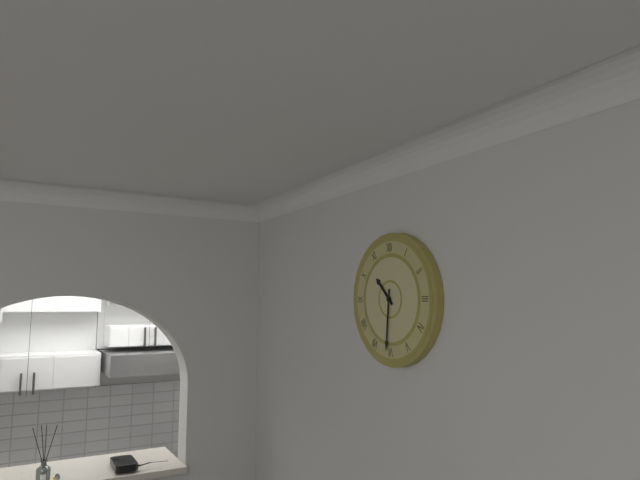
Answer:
10:31
